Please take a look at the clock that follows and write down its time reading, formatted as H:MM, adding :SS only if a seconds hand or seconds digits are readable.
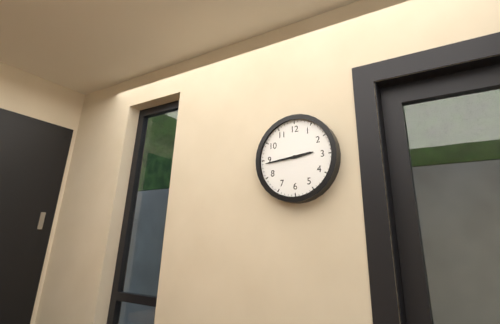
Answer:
2:44
